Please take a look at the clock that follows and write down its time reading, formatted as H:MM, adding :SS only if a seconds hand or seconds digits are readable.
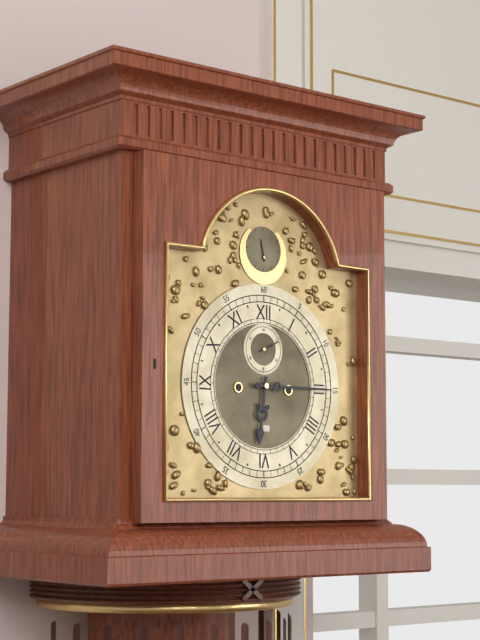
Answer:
6:15
